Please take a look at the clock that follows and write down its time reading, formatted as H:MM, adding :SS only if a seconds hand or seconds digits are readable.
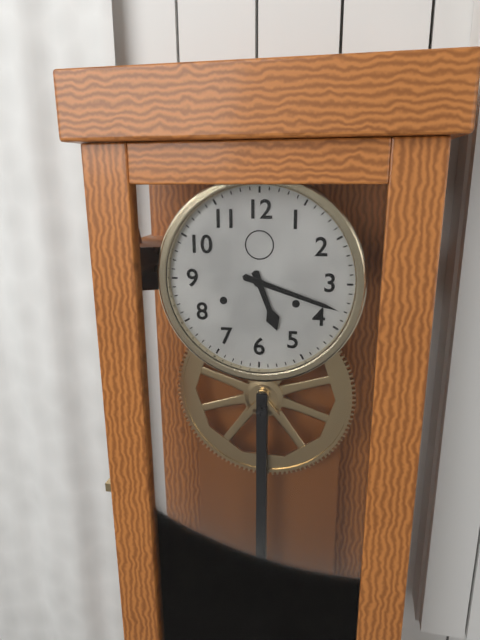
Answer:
5:18
